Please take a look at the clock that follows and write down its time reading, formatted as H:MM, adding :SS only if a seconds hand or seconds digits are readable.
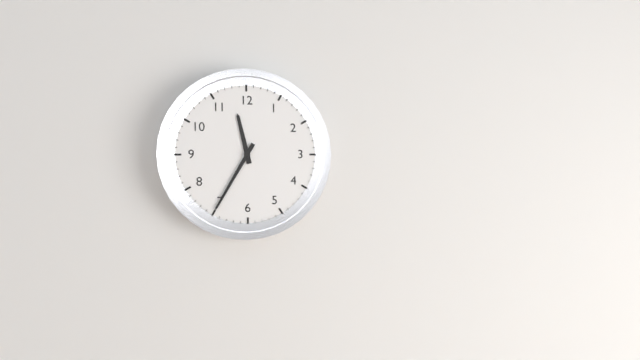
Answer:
11:35
